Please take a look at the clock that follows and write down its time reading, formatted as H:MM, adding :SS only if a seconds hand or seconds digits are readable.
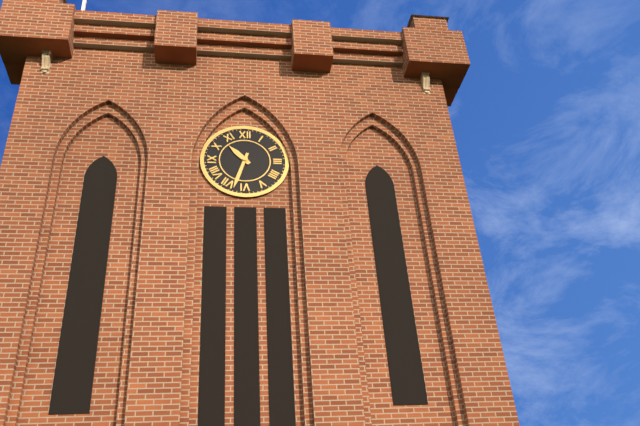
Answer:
10:33
